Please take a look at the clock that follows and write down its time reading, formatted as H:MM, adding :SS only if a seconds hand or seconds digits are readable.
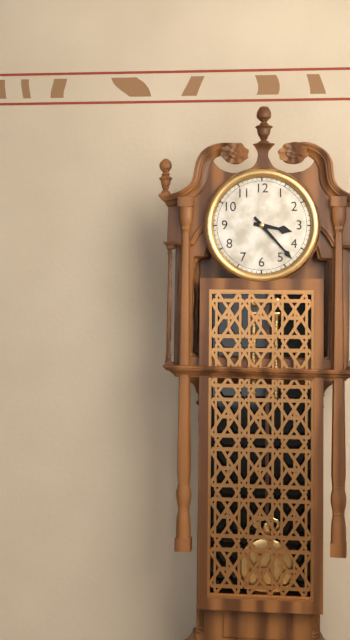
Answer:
3:23
